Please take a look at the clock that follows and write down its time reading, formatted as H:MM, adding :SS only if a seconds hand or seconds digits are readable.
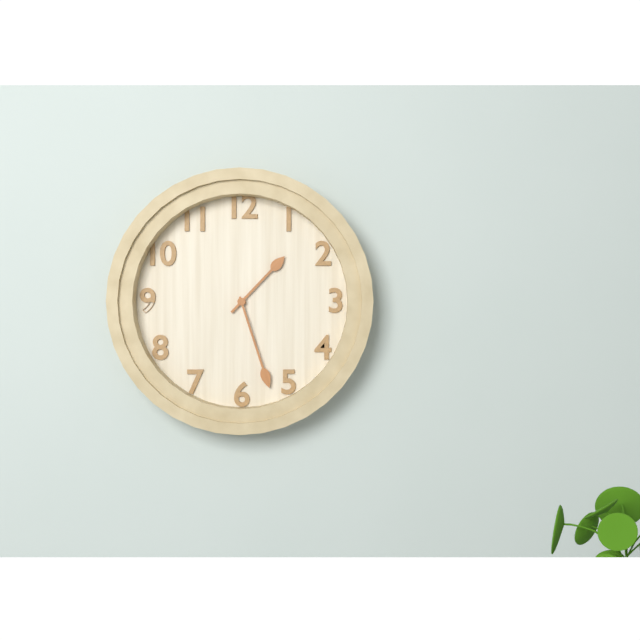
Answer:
1:27
